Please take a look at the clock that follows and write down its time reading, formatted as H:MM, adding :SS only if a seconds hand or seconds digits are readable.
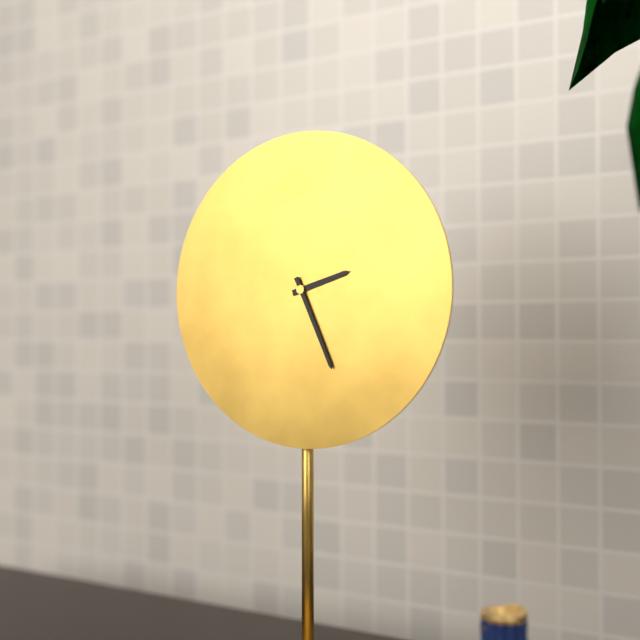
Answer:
2:26
